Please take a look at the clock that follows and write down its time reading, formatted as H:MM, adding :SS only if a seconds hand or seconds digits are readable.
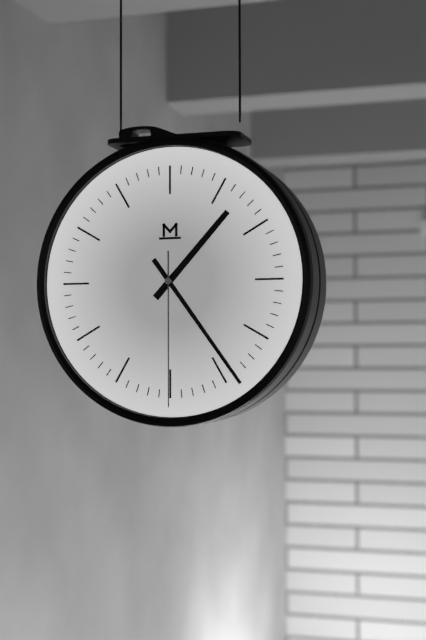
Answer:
1:24:30
